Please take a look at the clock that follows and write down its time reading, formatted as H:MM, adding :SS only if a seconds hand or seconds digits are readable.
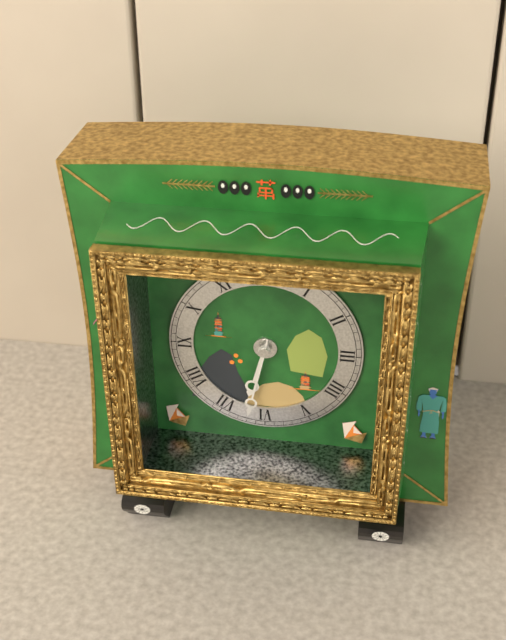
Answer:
6:32
